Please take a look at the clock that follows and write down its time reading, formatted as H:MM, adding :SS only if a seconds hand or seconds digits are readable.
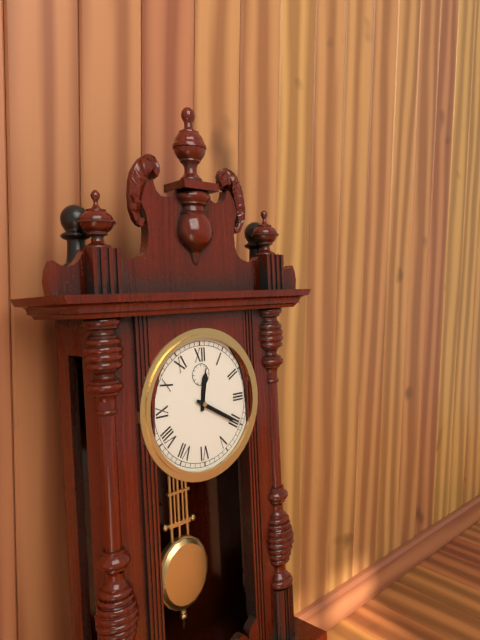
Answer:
12:20
